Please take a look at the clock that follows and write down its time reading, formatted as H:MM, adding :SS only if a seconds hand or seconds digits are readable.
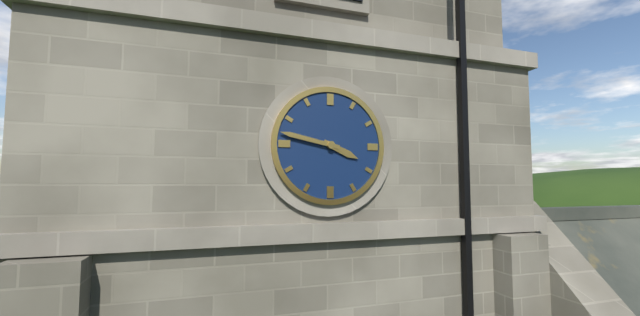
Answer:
3:47
